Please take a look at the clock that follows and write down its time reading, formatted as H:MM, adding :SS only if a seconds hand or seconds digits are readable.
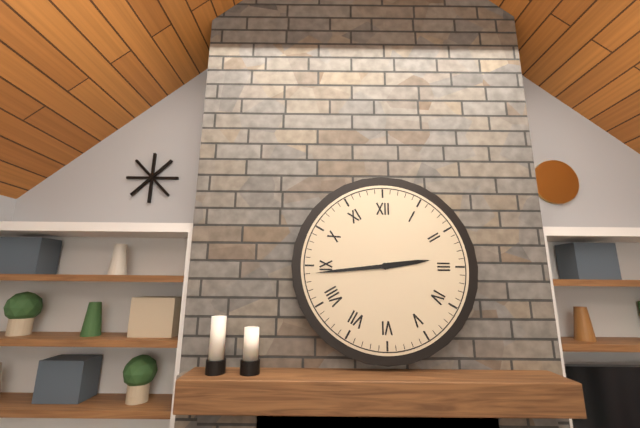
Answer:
2:44
